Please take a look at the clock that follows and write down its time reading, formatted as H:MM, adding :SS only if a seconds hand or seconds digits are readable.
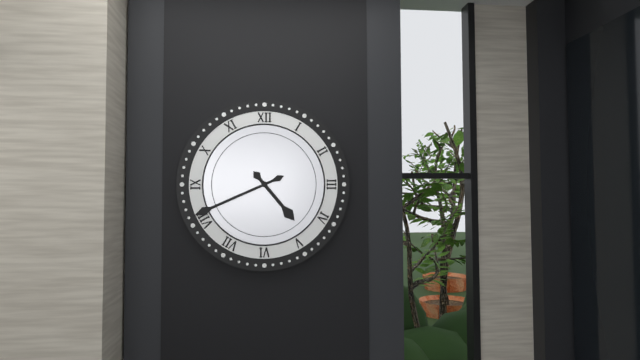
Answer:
4:41
